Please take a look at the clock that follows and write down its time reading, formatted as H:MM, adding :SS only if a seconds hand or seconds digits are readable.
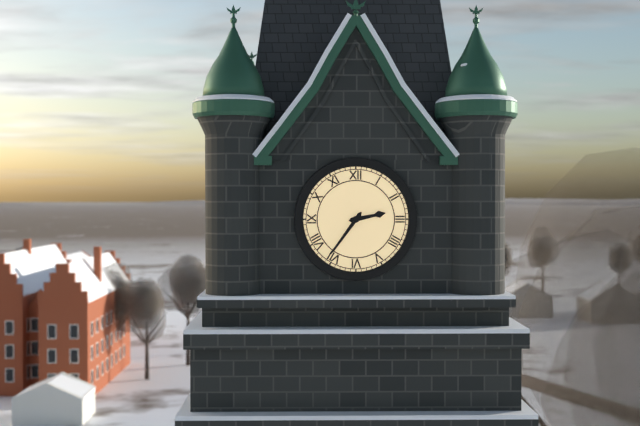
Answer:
2:36
